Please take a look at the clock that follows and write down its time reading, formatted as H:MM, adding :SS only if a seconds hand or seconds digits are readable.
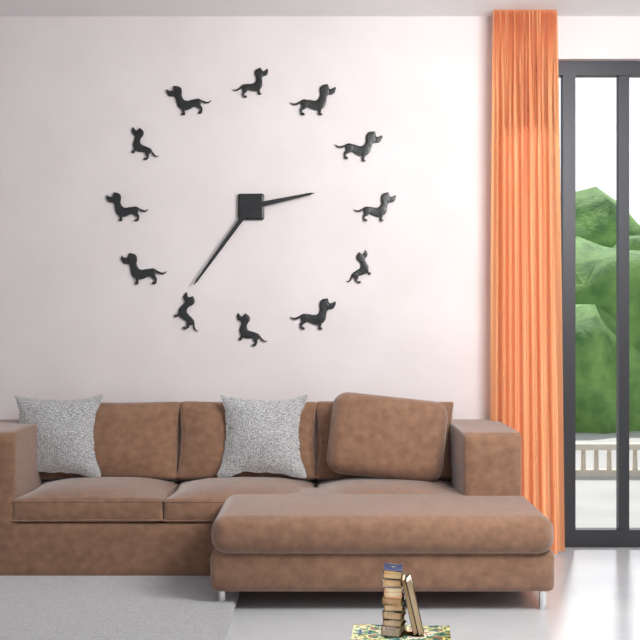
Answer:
2:36
